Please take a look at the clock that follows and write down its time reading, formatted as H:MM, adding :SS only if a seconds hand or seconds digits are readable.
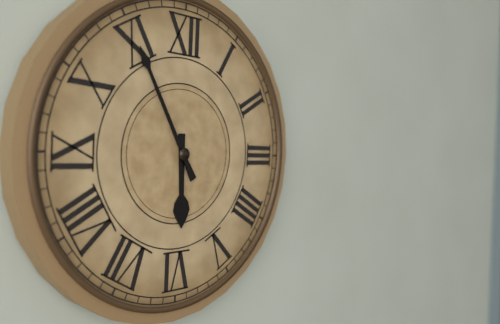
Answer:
5:55
